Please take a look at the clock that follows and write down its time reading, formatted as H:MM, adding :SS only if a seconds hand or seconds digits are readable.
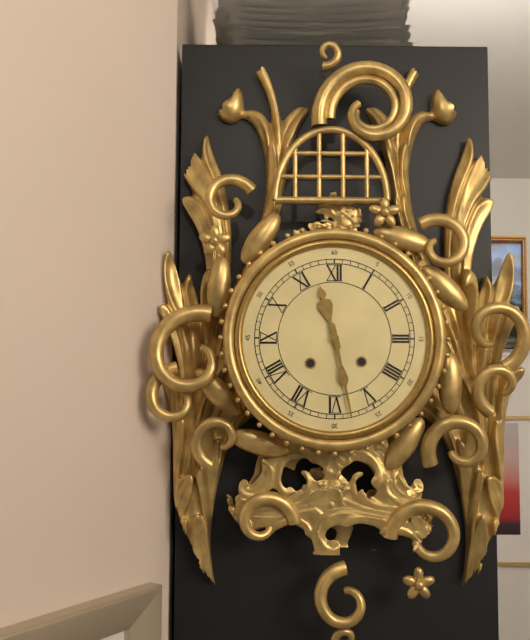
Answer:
11:28
